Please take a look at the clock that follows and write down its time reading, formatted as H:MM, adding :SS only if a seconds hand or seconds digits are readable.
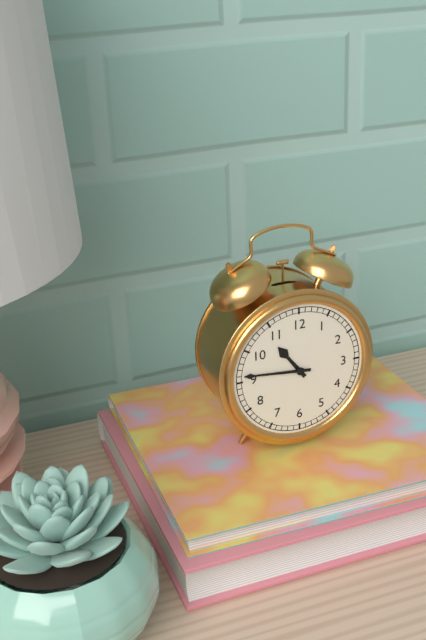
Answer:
10:46
